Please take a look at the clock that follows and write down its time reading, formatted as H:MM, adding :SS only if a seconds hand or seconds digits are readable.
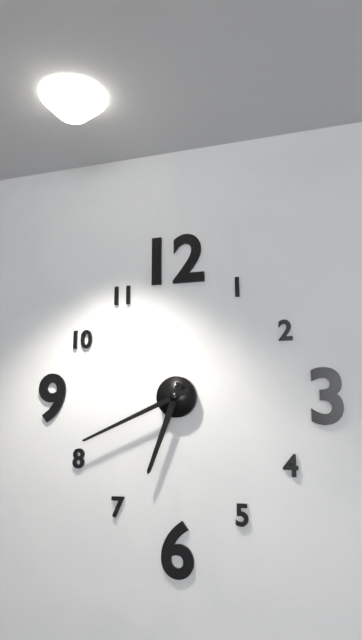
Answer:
6:41
